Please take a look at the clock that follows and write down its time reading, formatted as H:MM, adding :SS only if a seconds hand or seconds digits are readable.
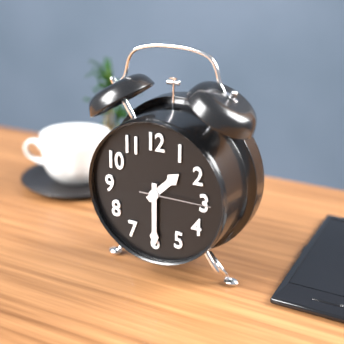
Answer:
1:30:15
